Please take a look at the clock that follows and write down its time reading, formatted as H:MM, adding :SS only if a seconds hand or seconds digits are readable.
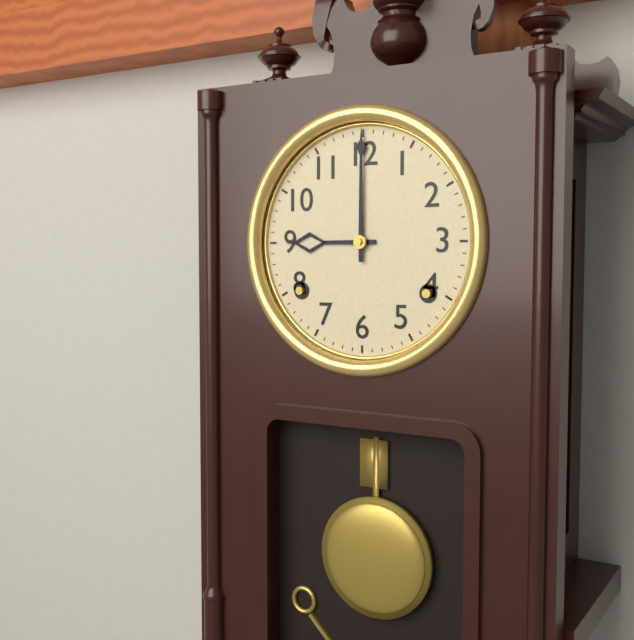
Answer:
9:00
